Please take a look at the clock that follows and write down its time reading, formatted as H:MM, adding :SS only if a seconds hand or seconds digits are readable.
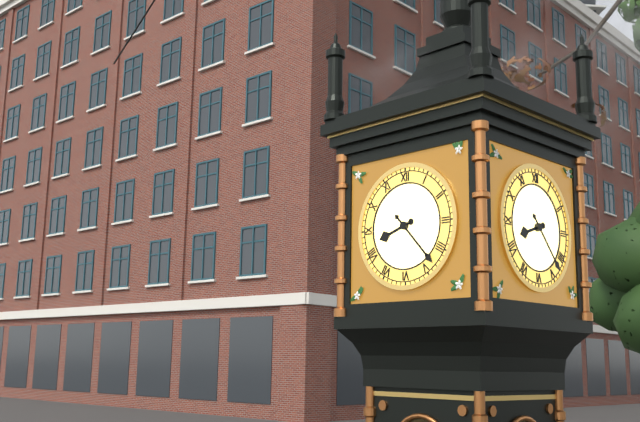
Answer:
8:23
